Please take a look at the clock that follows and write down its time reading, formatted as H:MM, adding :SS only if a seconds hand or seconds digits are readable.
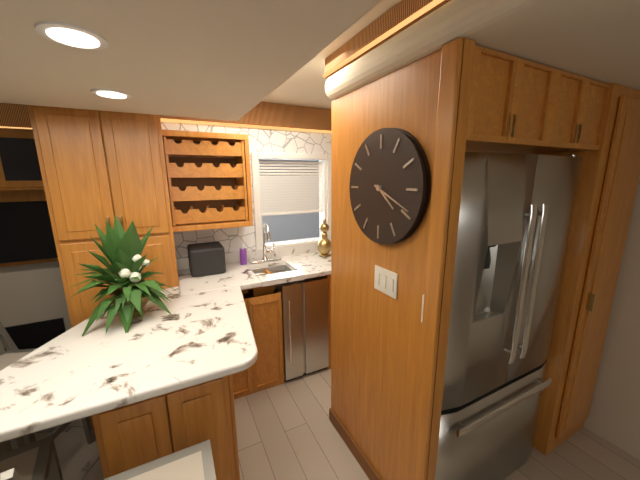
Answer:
4:19
